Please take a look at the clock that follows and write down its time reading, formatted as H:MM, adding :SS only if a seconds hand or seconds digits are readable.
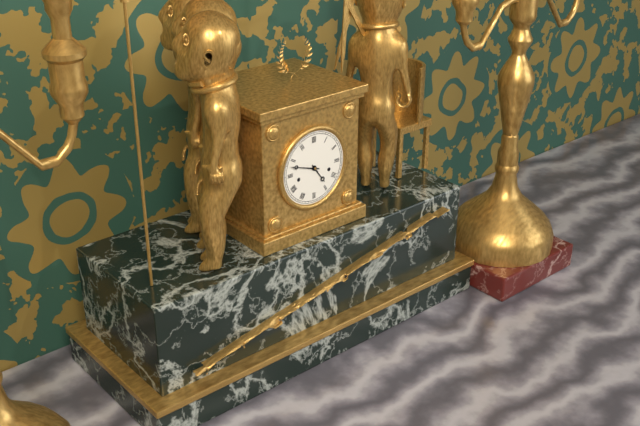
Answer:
4:48
